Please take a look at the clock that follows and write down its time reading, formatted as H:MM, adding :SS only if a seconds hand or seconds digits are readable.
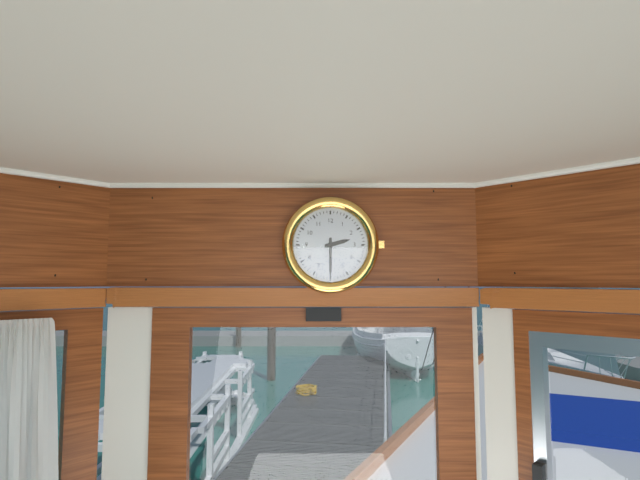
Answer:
2:30
